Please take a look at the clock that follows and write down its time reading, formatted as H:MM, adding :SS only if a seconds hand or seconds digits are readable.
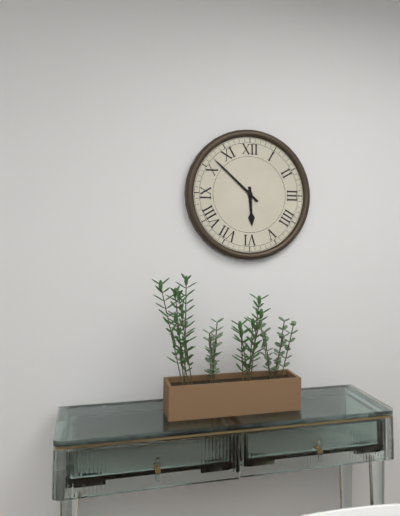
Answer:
5:52
